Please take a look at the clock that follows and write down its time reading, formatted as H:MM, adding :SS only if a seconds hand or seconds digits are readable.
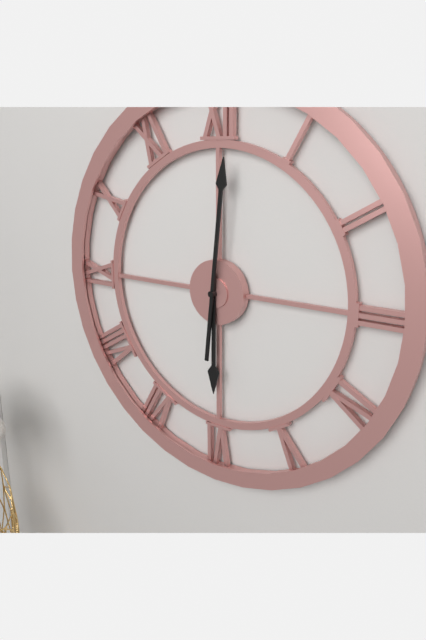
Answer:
6:01
